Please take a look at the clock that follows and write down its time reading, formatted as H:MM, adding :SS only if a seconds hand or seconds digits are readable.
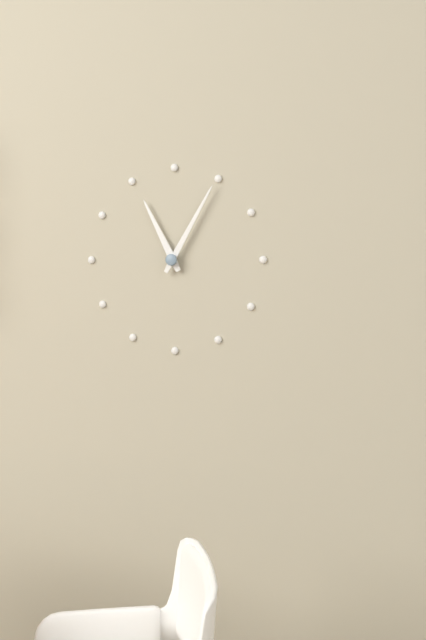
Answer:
11:05
